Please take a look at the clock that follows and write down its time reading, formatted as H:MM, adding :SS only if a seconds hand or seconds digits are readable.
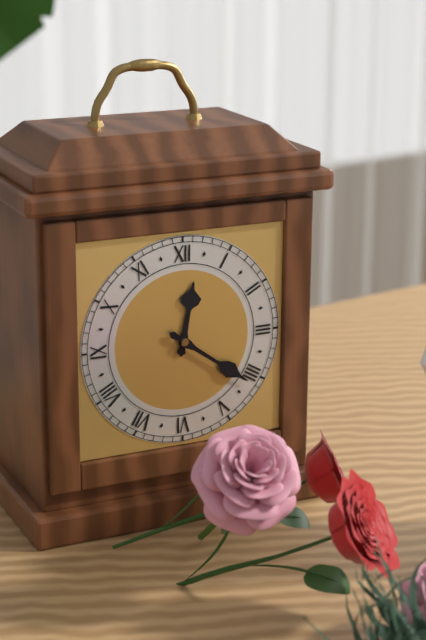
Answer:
12:21
